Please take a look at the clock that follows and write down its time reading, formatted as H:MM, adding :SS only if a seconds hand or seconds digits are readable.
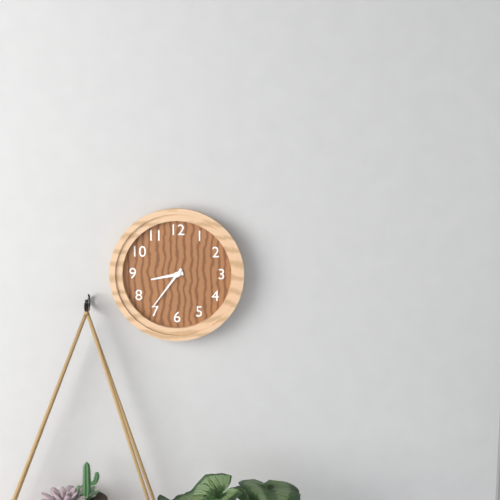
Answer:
8:36
